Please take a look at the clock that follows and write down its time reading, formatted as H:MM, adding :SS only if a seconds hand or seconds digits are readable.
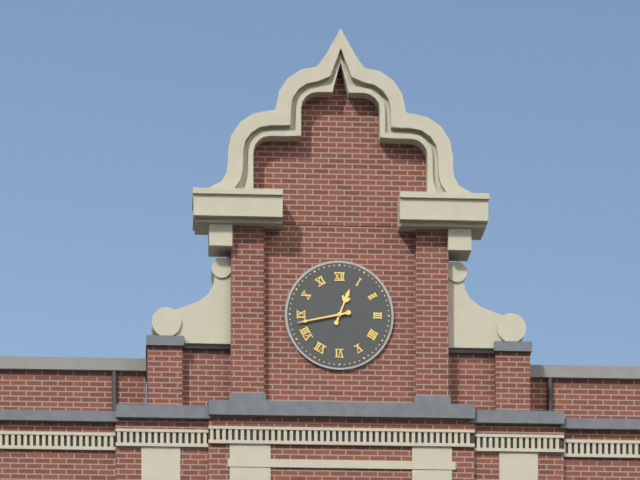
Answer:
12:43
